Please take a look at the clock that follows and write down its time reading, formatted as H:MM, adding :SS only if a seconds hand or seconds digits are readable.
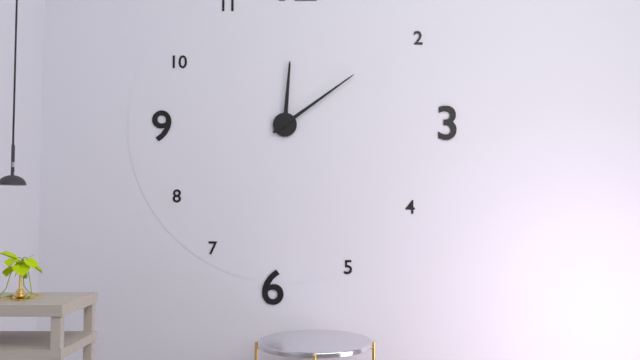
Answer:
12:09
